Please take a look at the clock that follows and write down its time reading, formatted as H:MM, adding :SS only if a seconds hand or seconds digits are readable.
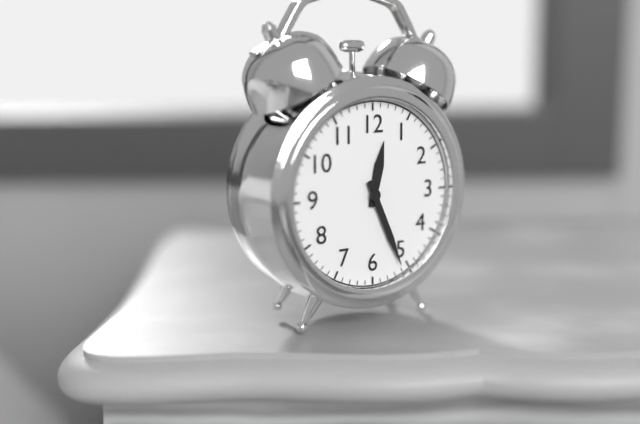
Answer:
12:26
